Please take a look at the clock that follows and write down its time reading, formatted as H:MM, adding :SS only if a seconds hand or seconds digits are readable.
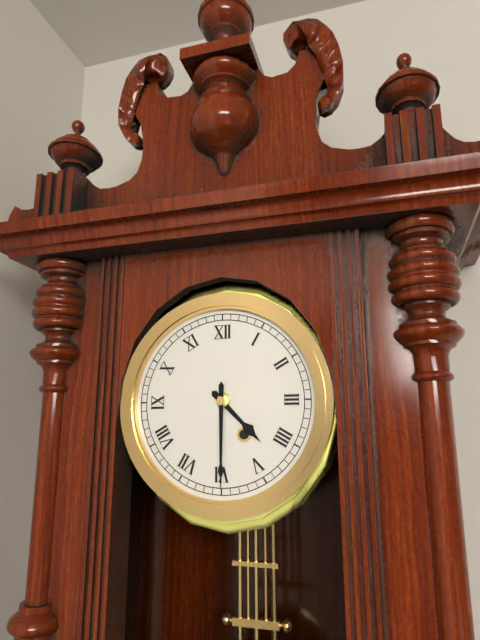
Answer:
4:30
